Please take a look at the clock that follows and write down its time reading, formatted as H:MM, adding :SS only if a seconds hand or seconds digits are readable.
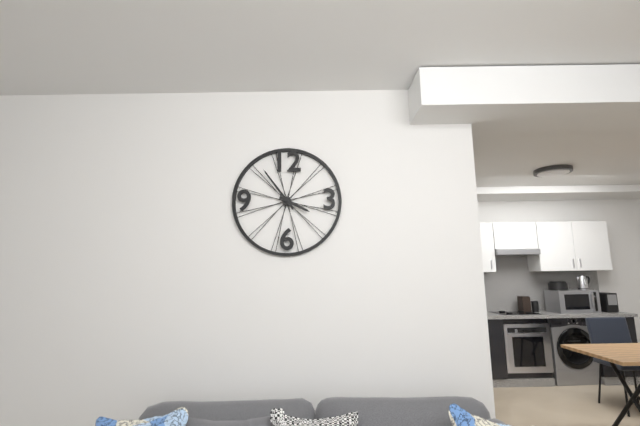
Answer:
3:54
